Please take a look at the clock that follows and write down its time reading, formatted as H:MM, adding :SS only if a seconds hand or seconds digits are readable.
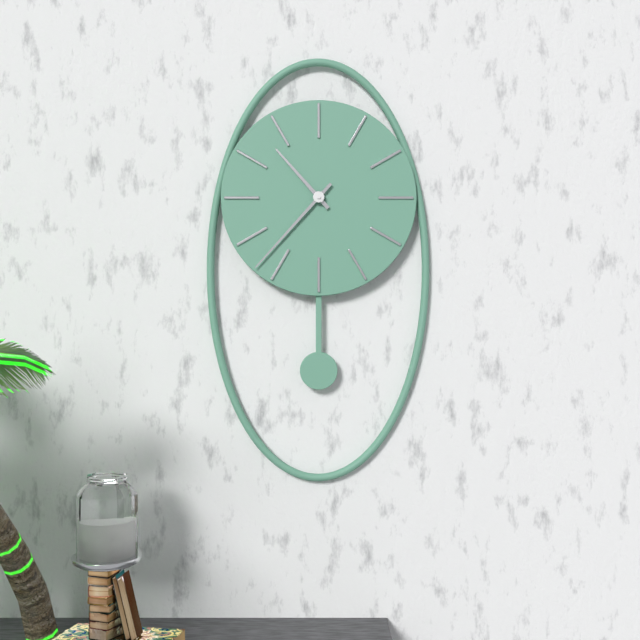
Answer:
10:37
